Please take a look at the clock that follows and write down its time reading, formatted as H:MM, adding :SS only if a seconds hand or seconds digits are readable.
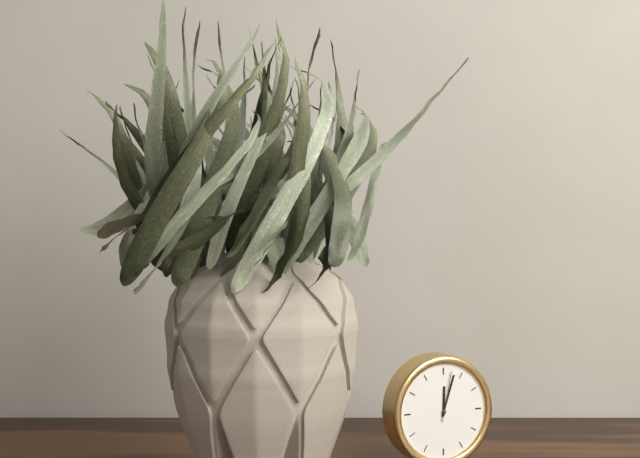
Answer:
12:03:02
